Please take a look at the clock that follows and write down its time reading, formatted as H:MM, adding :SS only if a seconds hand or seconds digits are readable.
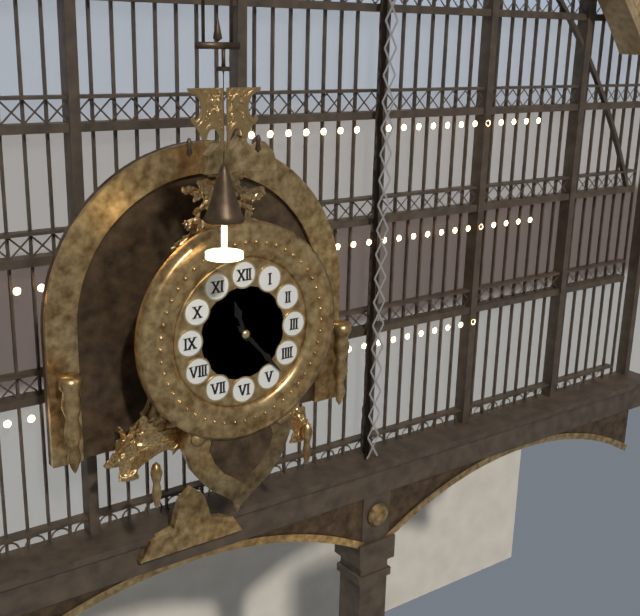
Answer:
11:23
